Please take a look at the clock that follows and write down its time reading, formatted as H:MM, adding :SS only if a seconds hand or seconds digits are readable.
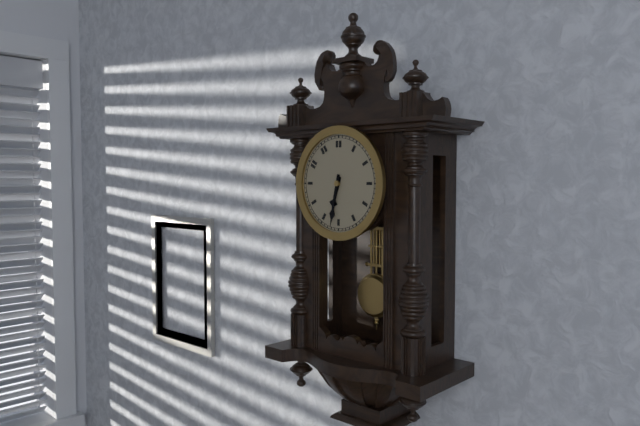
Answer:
6:32
